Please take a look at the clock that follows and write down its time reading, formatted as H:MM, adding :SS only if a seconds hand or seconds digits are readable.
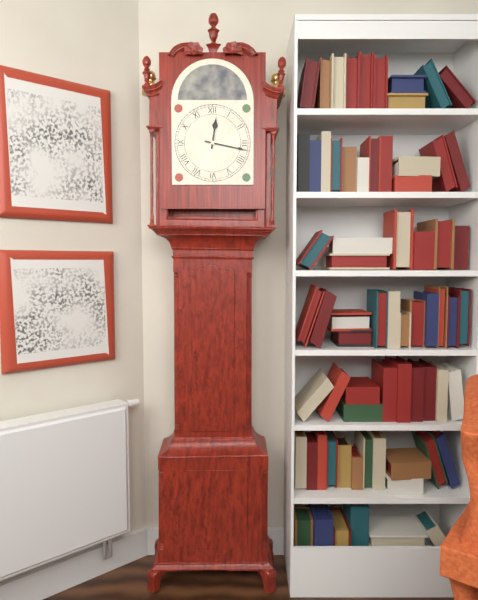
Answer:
12:17
